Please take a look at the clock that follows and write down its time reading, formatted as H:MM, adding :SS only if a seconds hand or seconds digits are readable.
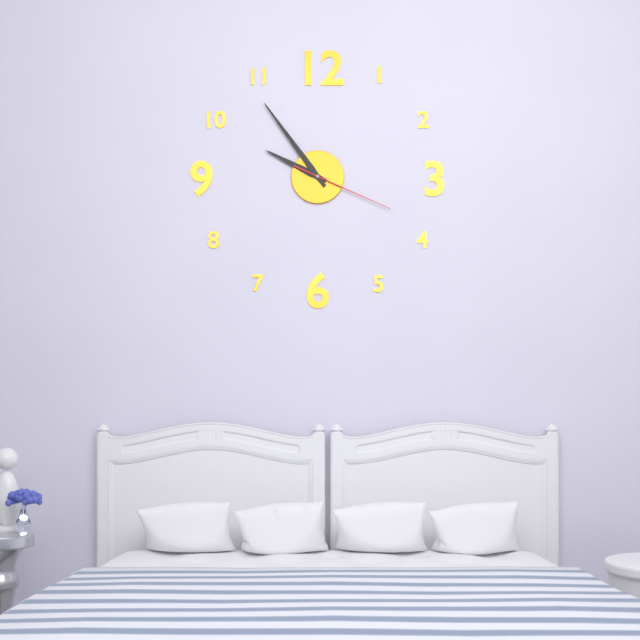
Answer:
9:54:19
